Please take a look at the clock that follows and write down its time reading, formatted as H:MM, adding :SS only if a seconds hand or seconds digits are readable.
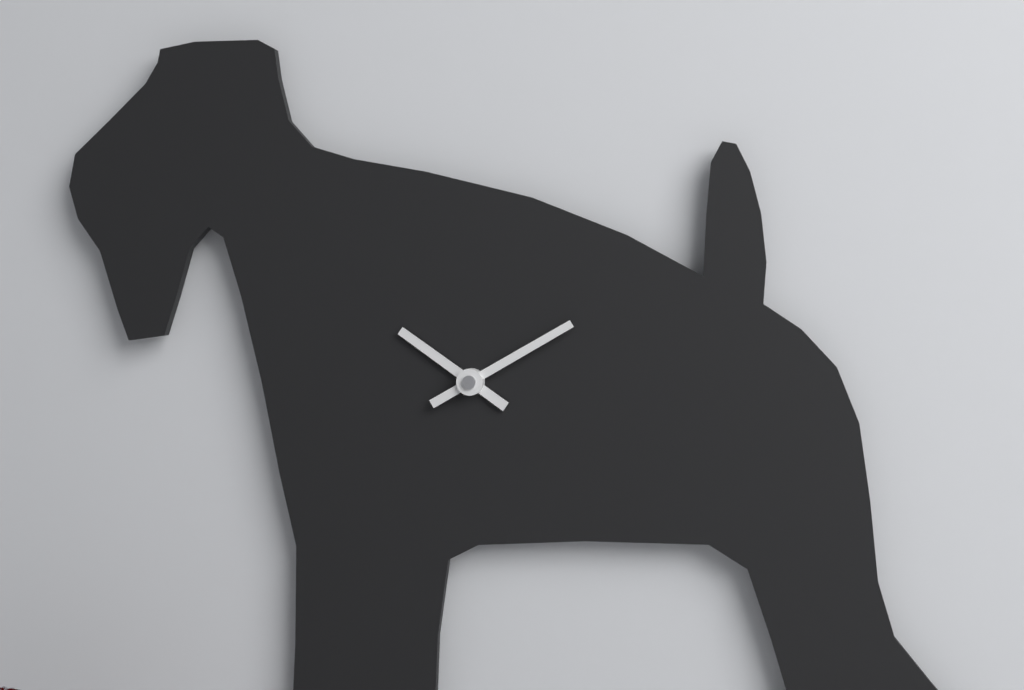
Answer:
10:10
